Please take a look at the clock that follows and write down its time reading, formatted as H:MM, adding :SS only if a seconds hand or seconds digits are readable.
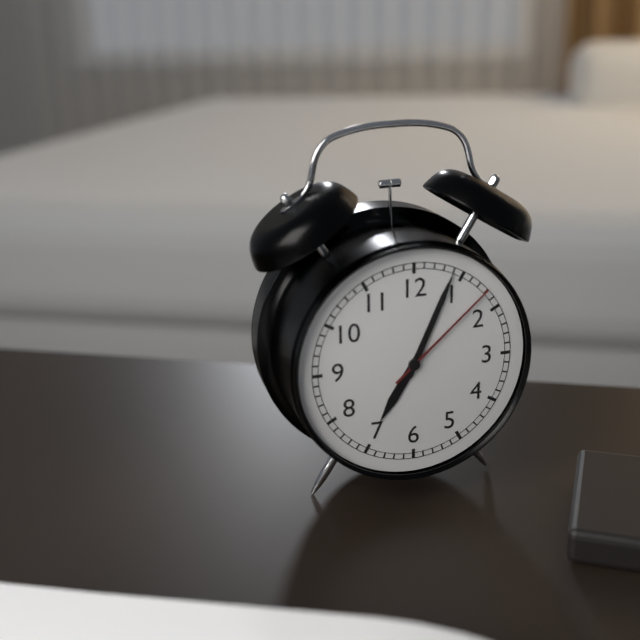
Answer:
7:04:08
